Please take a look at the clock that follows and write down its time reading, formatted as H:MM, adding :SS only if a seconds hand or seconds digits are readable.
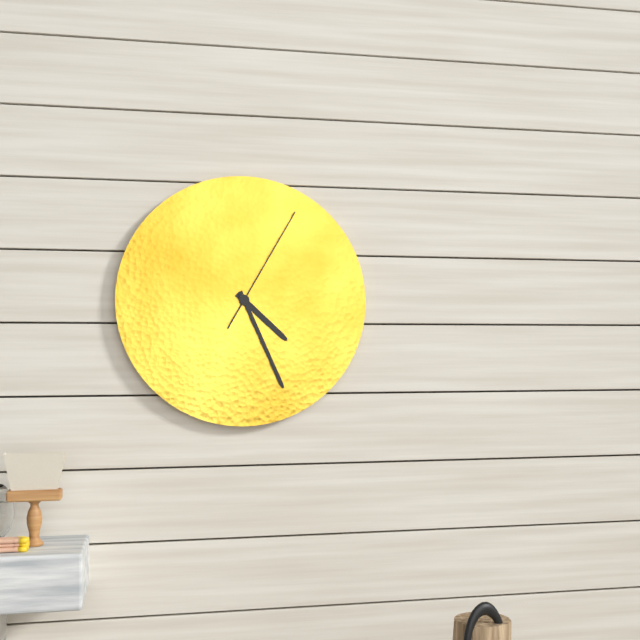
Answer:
4:26:05
